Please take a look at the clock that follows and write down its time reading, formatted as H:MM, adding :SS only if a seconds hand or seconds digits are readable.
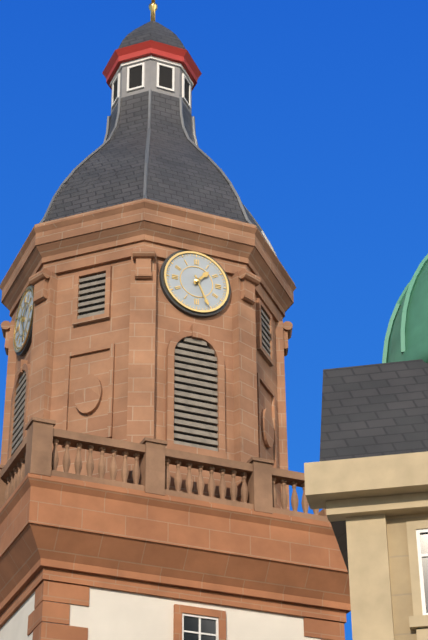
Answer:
1:26
